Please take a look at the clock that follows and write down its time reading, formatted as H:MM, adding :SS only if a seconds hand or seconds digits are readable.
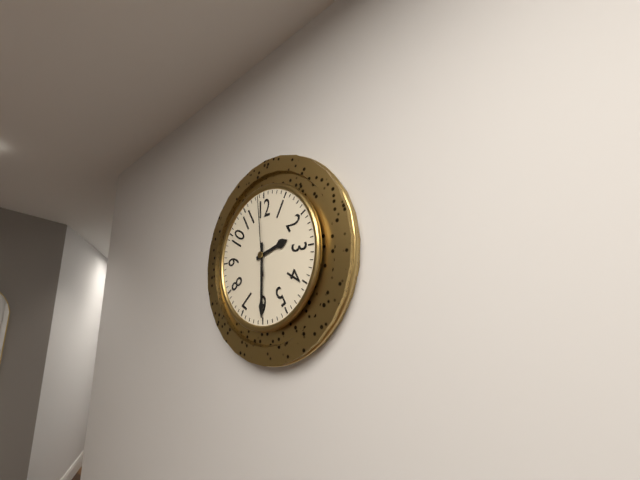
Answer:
2:30:59
